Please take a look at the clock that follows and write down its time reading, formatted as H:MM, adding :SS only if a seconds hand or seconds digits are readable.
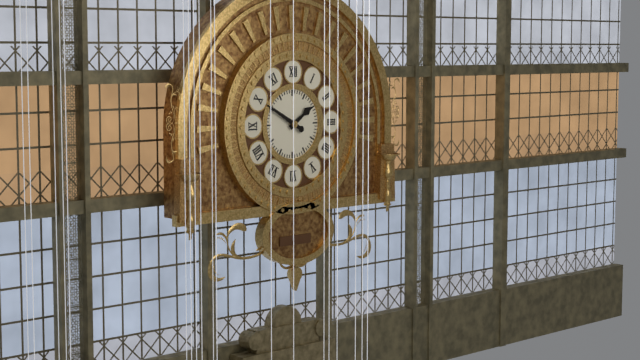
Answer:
1:50
